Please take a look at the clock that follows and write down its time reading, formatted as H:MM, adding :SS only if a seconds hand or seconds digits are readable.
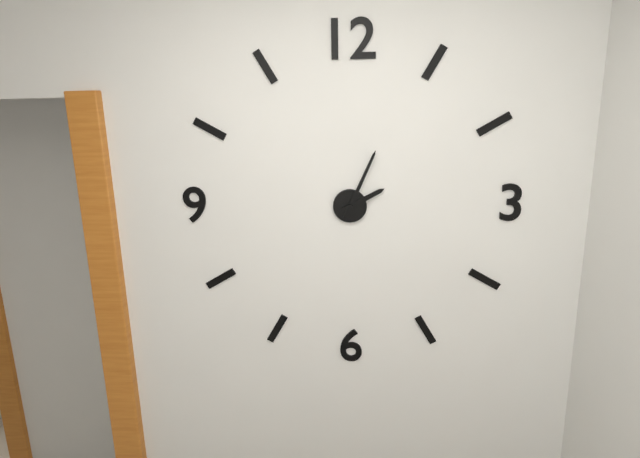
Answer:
2:04
